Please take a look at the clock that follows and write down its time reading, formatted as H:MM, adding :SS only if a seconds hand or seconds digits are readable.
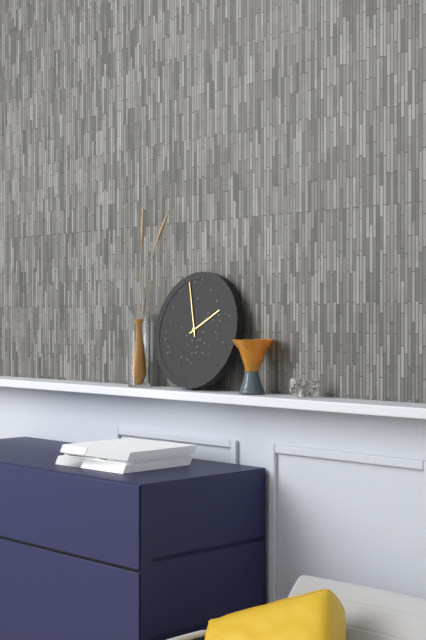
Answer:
1:57
